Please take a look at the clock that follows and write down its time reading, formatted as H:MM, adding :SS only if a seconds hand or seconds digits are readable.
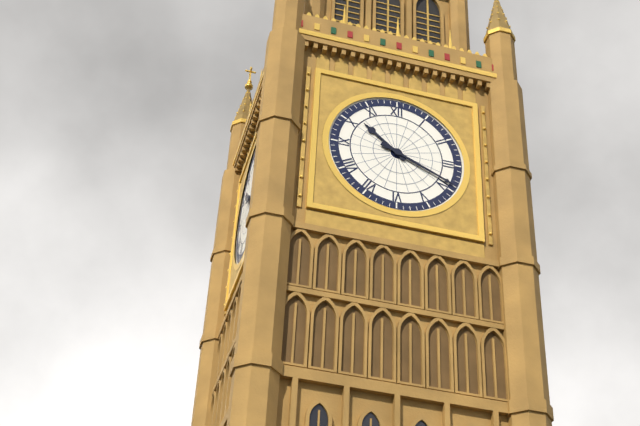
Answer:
10:19
